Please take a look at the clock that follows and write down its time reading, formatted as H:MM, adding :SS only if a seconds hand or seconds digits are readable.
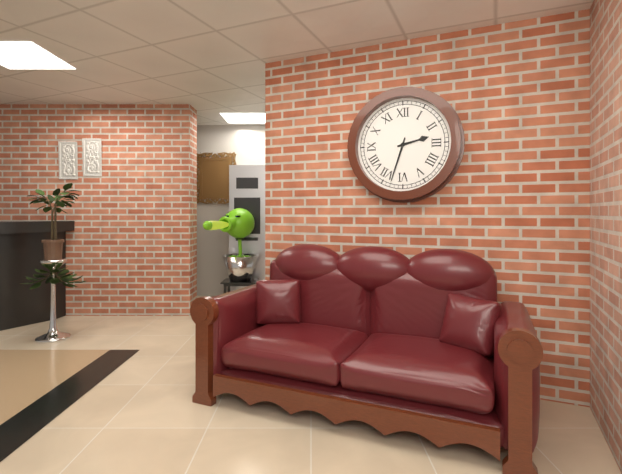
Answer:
2:33
